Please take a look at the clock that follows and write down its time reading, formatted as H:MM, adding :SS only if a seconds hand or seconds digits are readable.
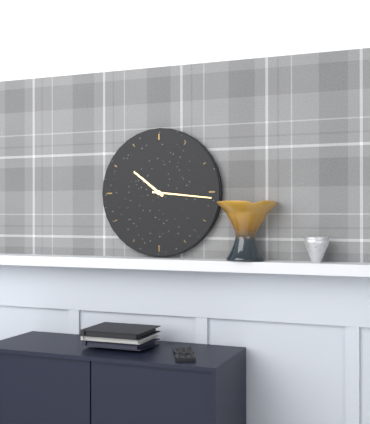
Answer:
10:16
